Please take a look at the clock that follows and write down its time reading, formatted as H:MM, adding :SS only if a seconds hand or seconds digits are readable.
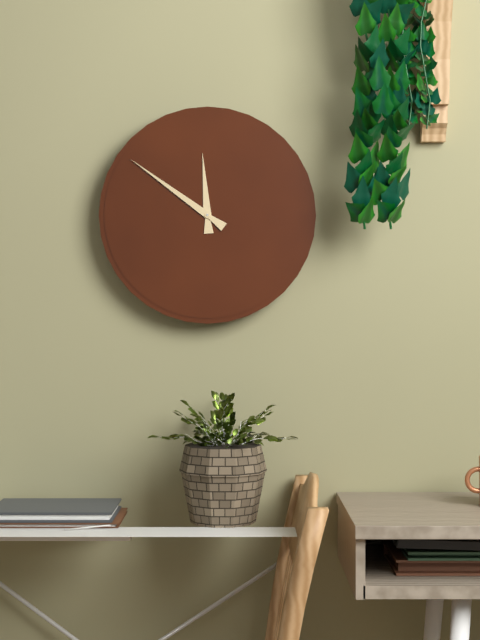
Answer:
11:51
